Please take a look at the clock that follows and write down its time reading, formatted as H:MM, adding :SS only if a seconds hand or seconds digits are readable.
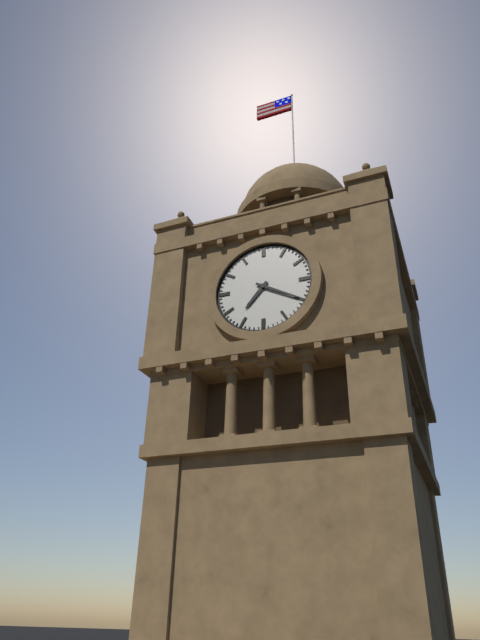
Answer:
7:20
